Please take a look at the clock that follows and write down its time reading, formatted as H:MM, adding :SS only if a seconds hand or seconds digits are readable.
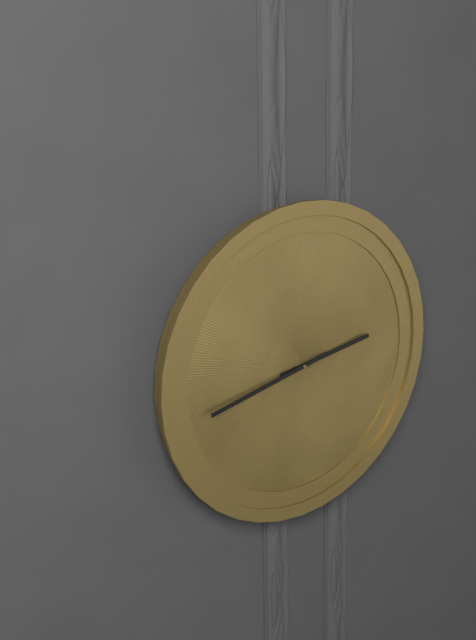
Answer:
2:43
